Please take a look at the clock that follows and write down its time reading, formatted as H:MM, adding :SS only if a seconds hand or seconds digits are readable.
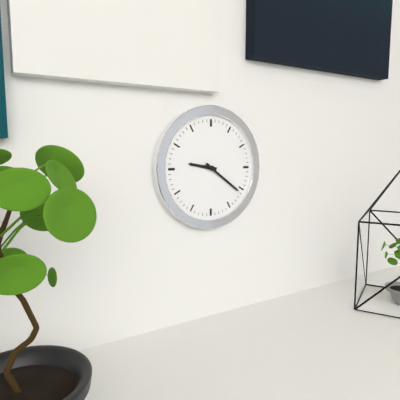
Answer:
9:21
